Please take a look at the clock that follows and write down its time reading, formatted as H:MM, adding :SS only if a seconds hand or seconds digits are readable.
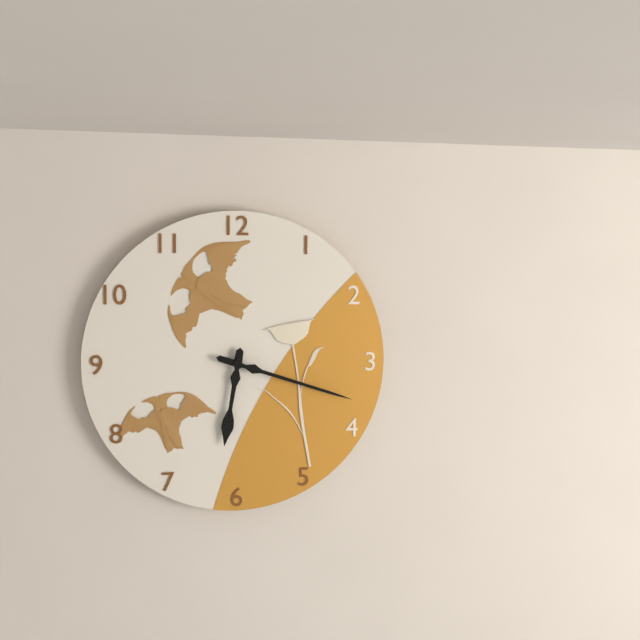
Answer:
6:18
